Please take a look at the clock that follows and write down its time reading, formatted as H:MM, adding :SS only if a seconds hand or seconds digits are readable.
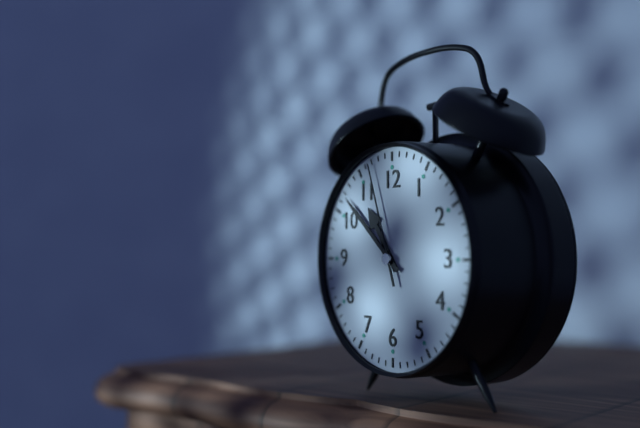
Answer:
10:52:57
